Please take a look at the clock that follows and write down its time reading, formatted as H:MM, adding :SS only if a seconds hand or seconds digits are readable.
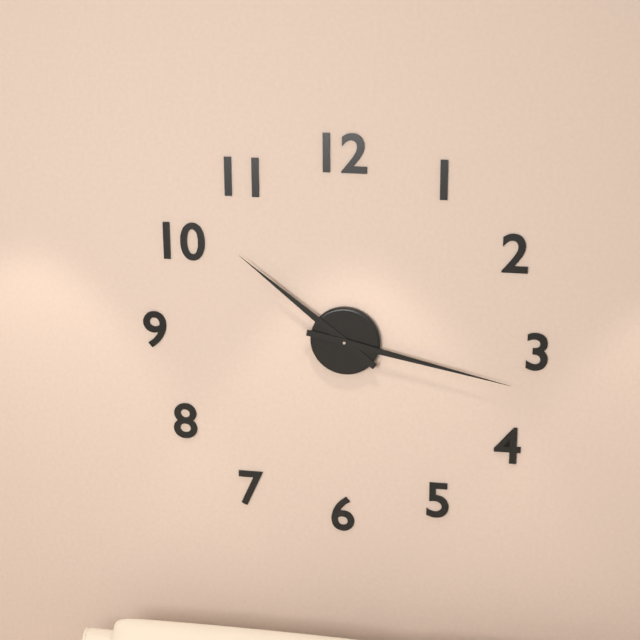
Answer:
10:17
